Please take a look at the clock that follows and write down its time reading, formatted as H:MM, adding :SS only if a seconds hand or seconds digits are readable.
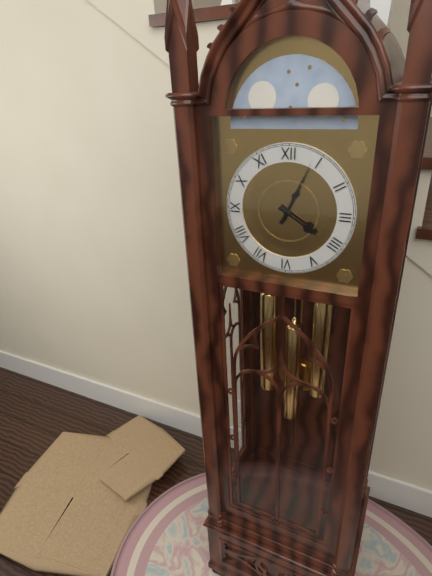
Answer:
4:04
